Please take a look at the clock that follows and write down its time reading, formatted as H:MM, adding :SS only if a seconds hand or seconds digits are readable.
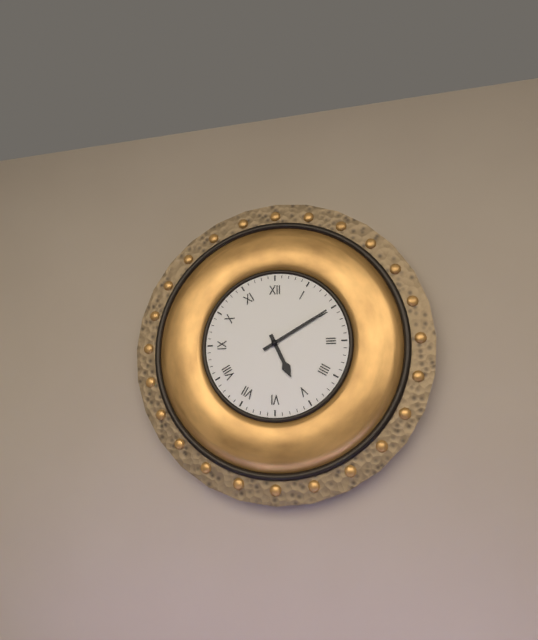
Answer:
5:10
